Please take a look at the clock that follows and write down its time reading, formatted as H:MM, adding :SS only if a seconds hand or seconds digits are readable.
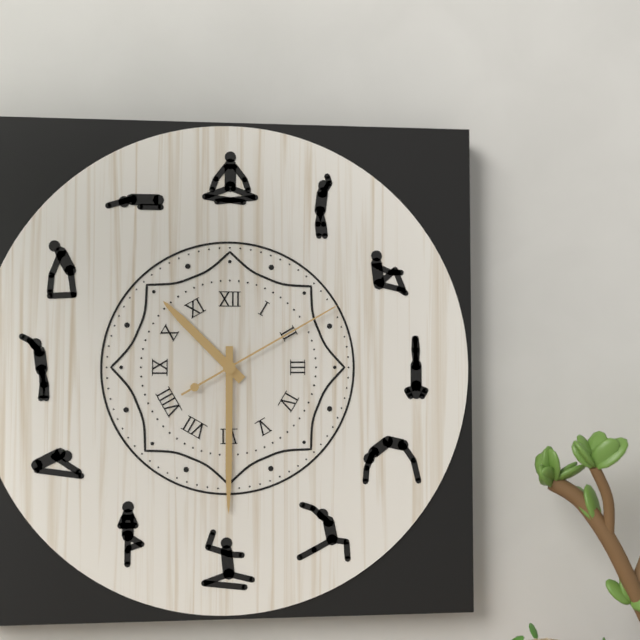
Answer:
10:30:10
